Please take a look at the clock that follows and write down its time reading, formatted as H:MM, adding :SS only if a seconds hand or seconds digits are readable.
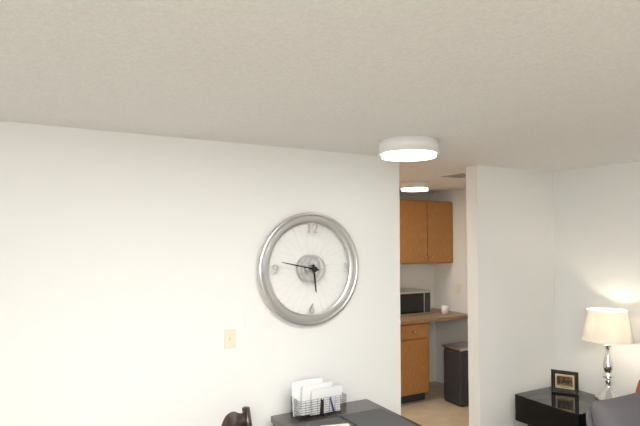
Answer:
5:47
